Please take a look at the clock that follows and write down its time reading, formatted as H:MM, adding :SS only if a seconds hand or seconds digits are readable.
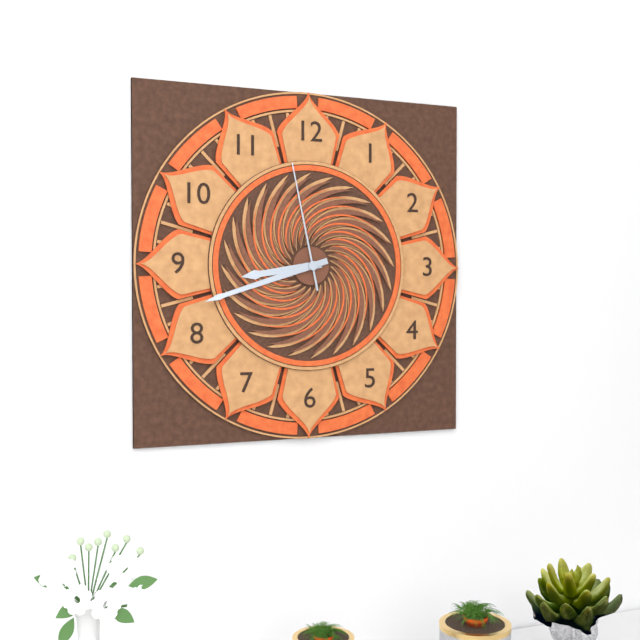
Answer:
8:42:58
